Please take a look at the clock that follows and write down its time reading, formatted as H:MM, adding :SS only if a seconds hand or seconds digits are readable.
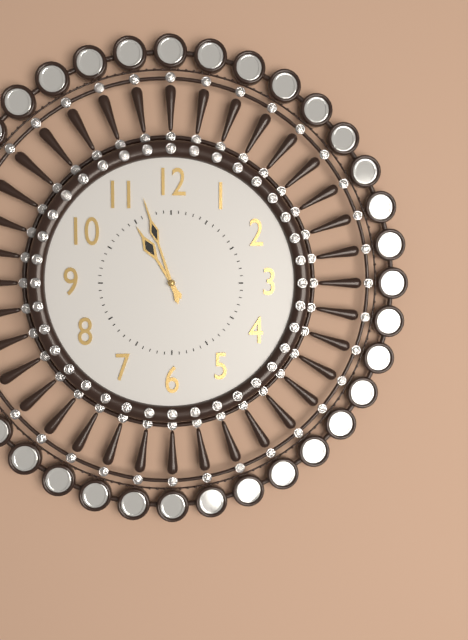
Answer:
10:57
